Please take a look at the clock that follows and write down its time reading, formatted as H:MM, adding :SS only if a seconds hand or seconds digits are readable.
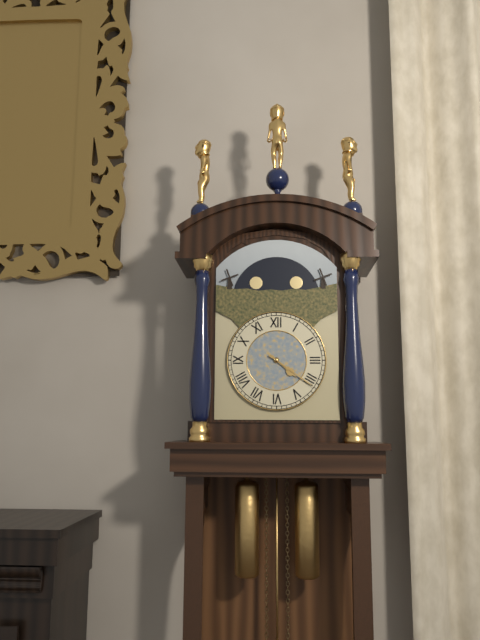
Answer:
4:21
